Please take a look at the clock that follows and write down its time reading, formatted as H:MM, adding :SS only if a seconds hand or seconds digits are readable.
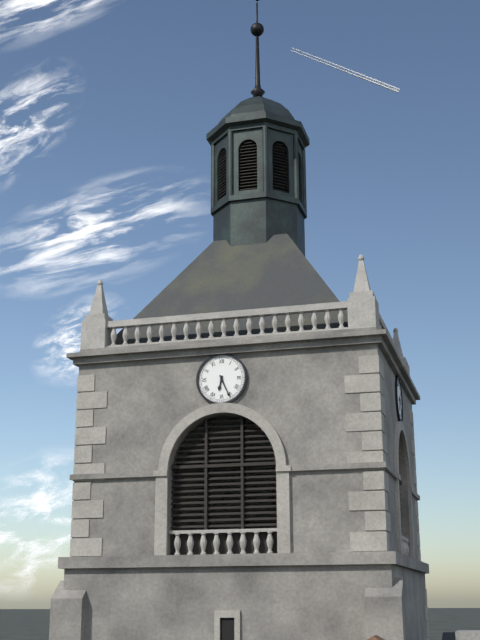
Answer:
6:26
